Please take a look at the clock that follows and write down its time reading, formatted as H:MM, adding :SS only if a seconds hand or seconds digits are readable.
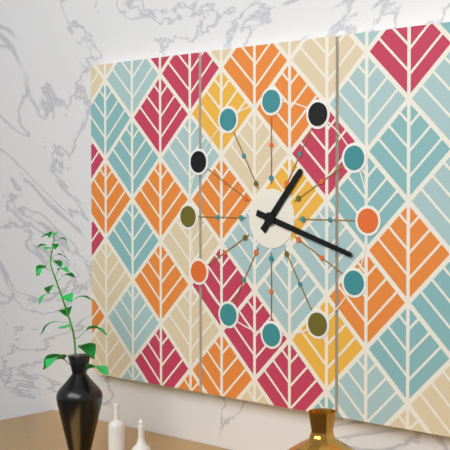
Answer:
1:18
